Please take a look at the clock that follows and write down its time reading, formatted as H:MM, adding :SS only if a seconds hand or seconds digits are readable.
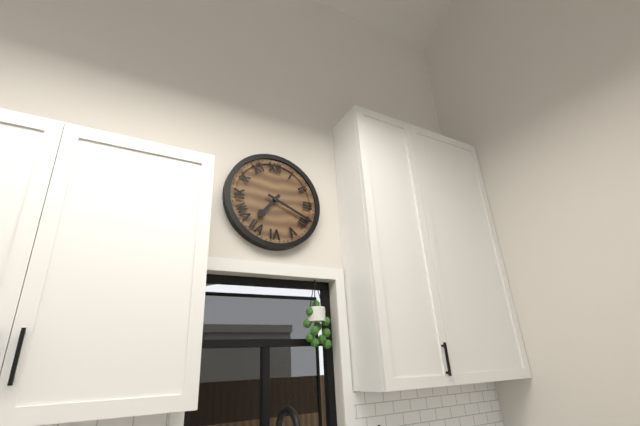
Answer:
7:19
